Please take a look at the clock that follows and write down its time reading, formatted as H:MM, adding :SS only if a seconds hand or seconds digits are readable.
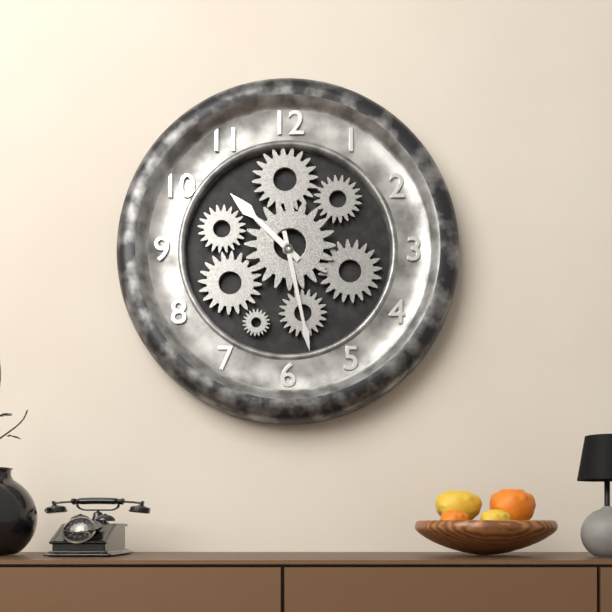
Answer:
10:28
